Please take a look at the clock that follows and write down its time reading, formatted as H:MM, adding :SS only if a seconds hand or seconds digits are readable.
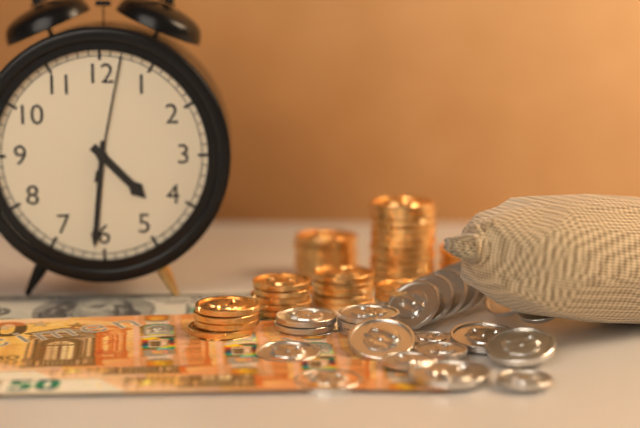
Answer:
4:31:02
